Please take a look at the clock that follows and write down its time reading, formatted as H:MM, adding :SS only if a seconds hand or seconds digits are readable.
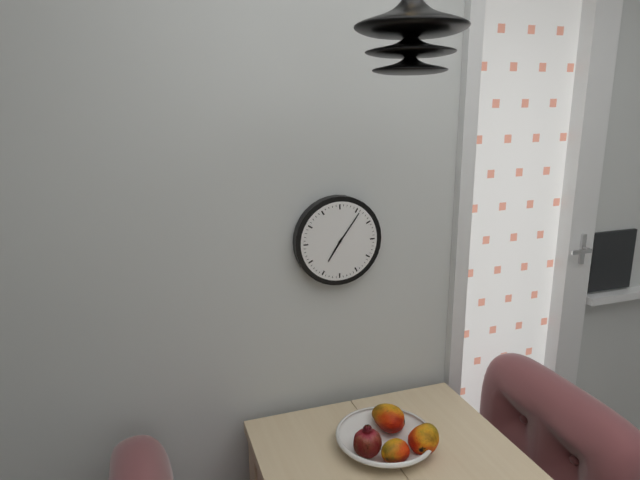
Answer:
7:06
